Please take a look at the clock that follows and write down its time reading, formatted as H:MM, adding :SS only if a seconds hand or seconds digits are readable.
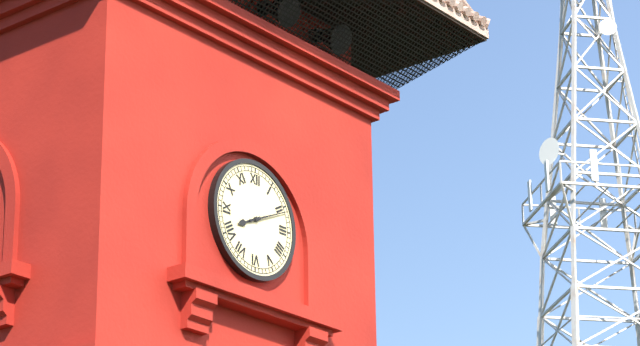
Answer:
8:11
